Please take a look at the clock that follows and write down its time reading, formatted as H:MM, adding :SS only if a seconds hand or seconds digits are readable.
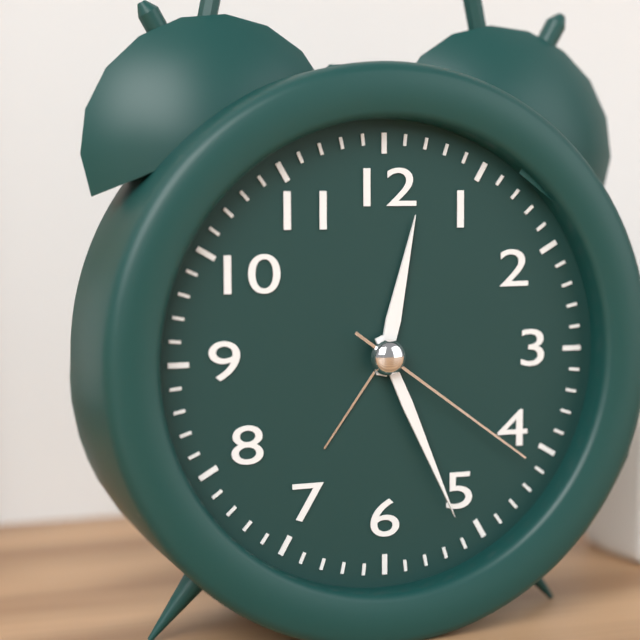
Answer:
12:26:21
